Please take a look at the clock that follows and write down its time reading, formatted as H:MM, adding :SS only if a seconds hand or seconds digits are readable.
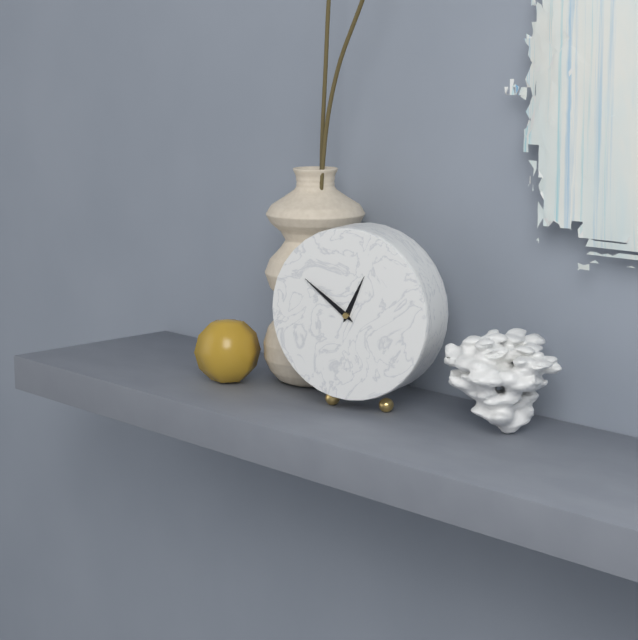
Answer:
12:51
